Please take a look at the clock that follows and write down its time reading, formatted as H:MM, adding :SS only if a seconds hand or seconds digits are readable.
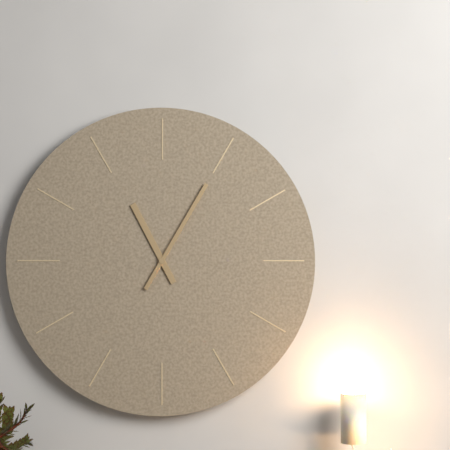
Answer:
11:05
